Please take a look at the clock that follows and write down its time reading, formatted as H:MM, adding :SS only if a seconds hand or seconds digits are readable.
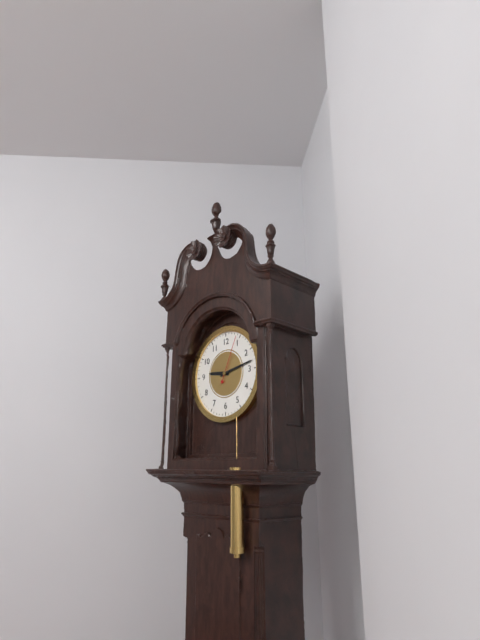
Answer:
9:13
